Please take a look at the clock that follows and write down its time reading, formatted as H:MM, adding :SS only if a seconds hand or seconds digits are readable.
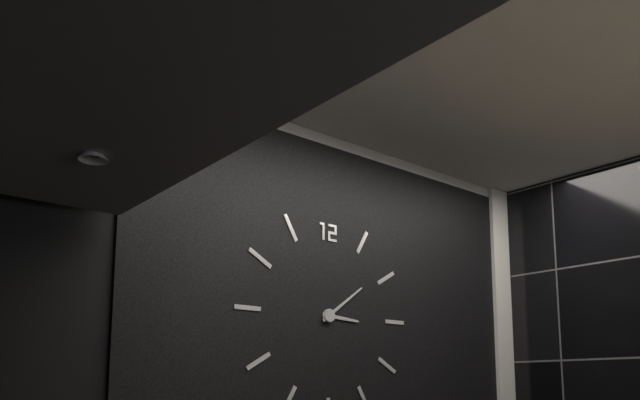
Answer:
3:09
